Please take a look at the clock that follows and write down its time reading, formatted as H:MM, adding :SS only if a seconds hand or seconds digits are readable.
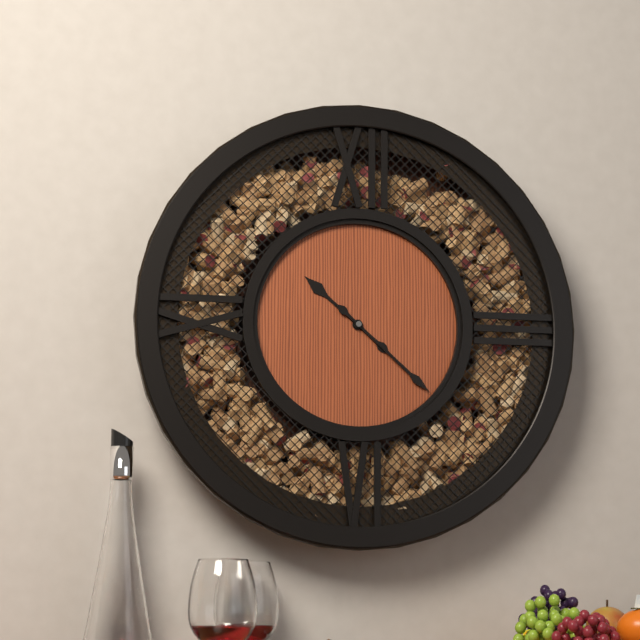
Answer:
10:22
